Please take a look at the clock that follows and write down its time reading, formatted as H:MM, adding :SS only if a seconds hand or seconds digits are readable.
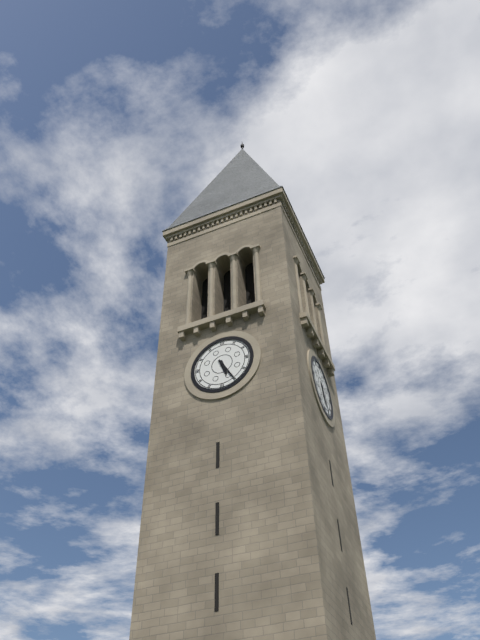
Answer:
5:25
